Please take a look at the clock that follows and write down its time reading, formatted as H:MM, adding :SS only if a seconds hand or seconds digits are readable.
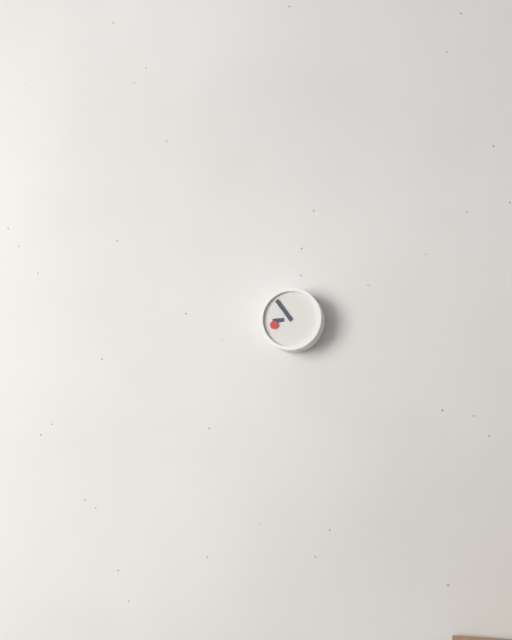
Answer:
8:54
